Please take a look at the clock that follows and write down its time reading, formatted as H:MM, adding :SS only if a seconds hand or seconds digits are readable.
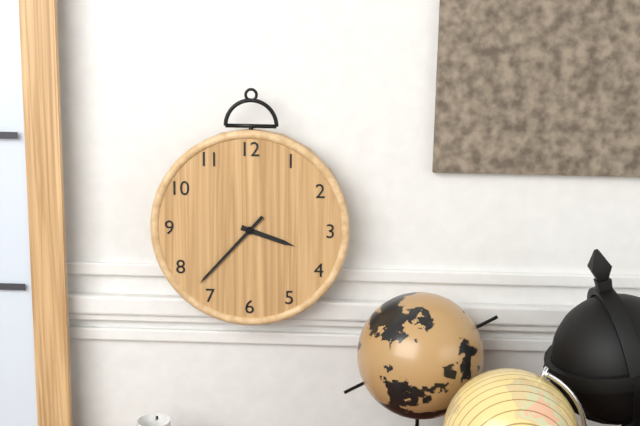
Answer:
3:37
